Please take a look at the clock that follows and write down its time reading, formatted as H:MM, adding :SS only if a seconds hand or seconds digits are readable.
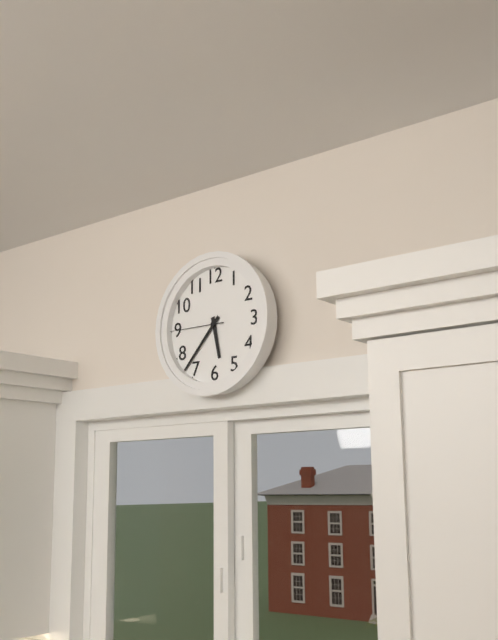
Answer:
5:37:45
